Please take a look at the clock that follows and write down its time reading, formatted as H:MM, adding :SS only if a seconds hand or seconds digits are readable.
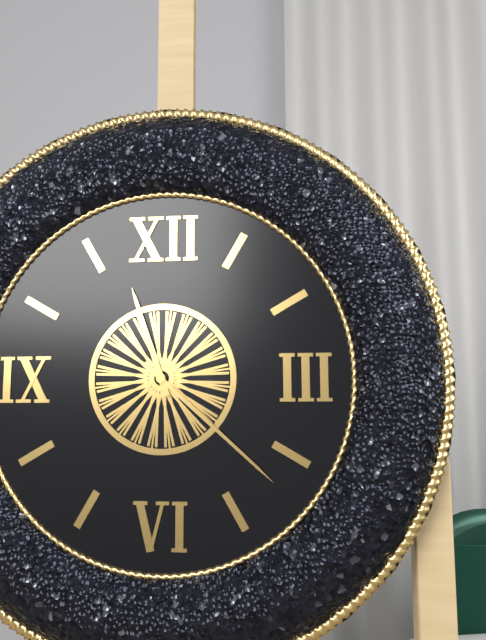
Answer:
11:22
